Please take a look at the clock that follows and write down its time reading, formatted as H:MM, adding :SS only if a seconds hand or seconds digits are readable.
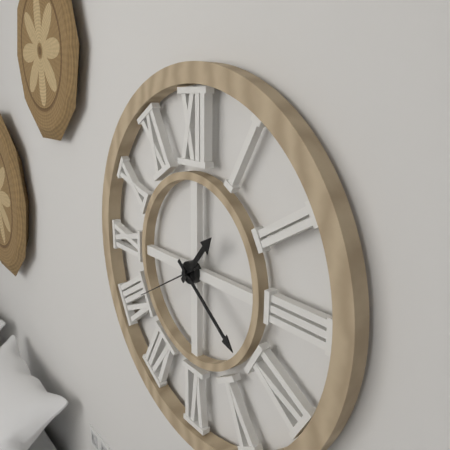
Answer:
1:21:40
